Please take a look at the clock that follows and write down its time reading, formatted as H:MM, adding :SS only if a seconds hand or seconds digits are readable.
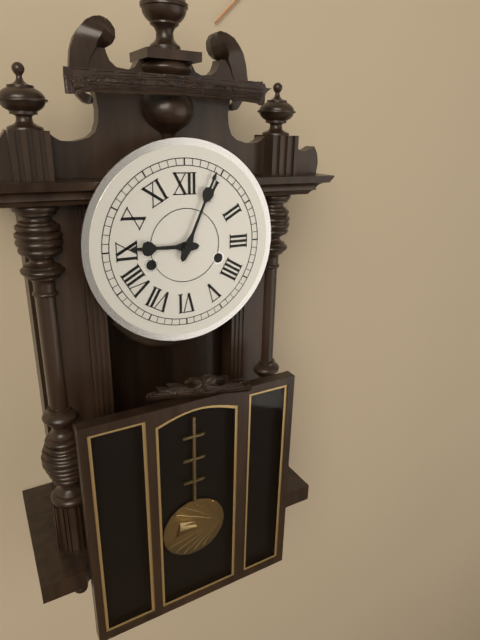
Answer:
9:04
